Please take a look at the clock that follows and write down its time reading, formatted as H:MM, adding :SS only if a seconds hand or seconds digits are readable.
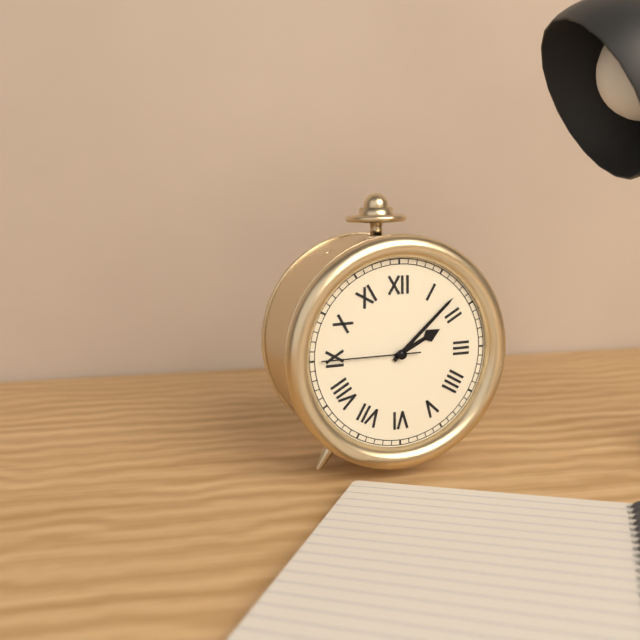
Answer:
2:08:45
